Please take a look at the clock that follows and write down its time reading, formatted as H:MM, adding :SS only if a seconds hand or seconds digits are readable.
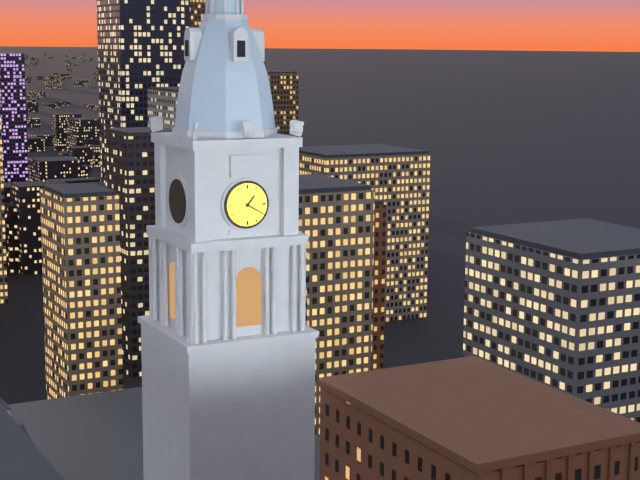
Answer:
1:20
